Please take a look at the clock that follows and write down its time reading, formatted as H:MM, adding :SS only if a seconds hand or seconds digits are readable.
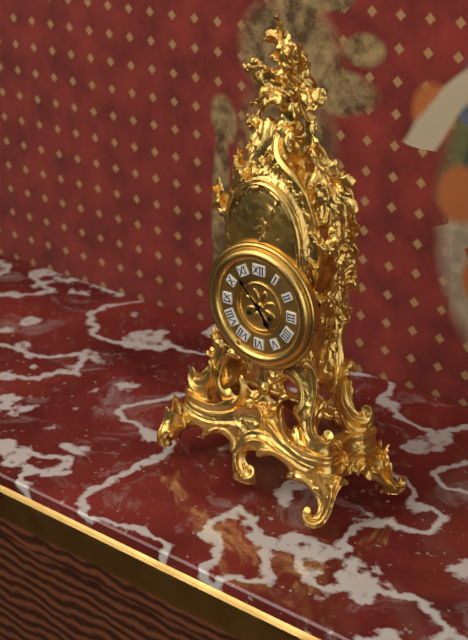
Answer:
4:53
